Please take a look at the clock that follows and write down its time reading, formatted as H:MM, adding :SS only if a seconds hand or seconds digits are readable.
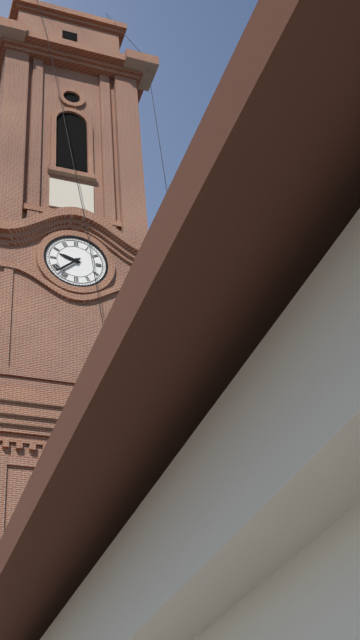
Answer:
9:38
